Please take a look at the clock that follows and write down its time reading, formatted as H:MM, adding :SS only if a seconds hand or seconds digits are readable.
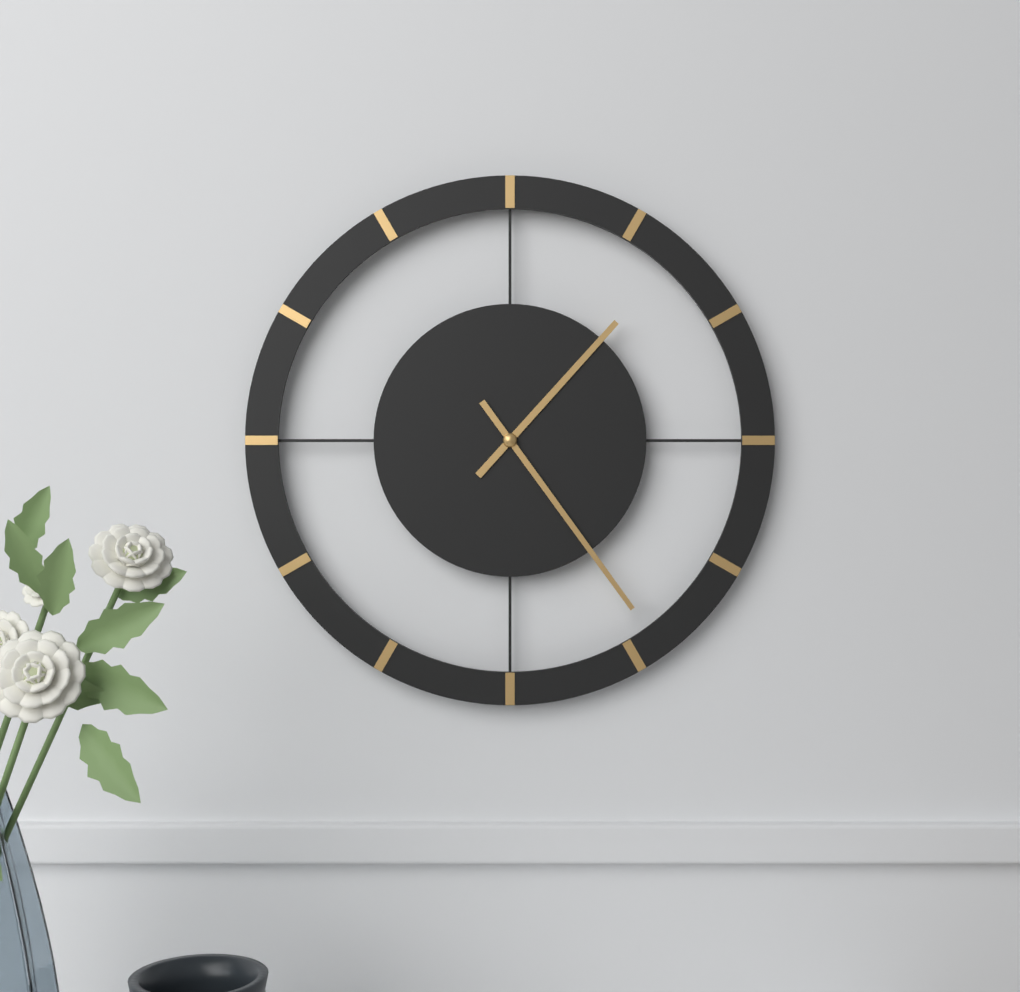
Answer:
1:24
